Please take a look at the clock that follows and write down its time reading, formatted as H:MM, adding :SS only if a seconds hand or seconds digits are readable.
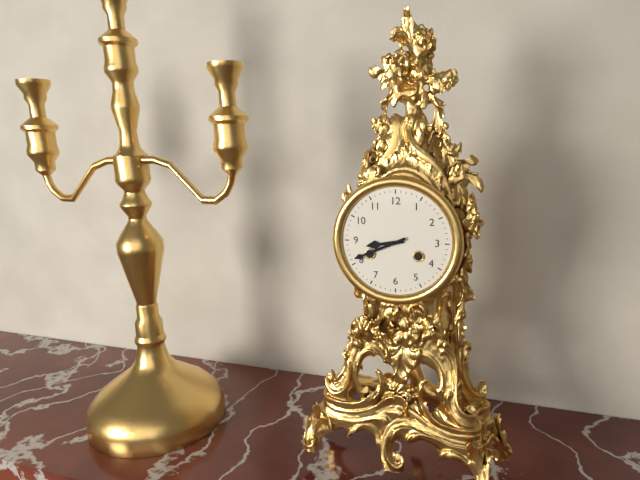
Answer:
8:41
